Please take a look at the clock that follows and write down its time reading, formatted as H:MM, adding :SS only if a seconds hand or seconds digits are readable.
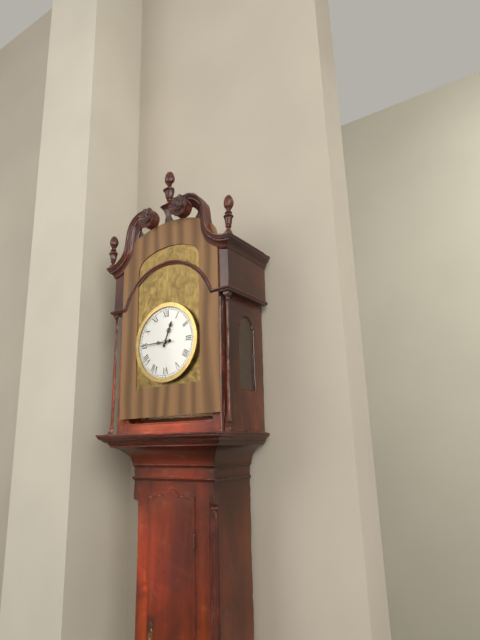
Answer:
12:45
